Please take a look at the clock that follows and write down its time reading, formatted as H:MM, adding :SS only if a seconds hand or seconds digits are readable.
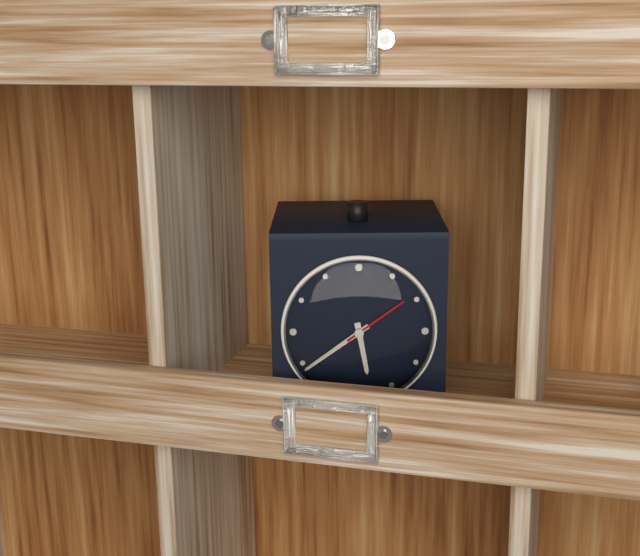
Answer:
5:39:09
